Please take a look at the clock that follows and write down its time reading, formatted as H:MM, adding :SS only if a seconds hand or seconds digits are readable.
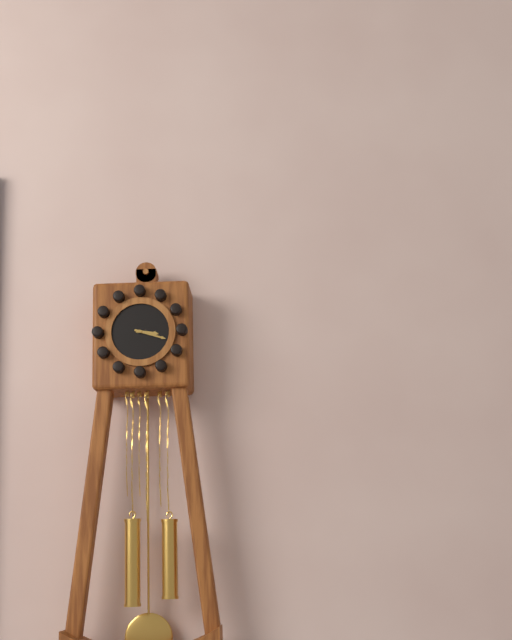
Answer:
3:18
